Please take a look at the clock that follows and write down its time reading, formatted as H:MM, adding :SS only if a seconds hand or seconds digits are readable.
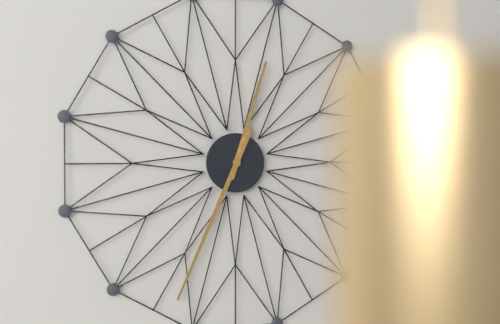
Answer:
12:34
